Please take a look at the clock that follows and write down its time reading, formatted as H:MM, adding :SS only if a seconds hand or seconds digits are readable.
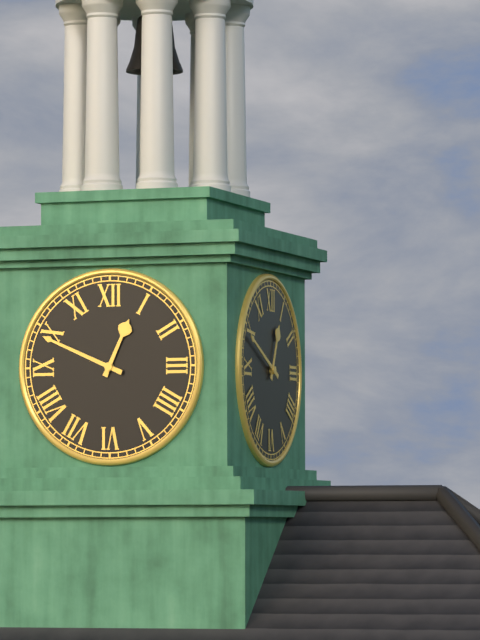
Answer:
12:49
